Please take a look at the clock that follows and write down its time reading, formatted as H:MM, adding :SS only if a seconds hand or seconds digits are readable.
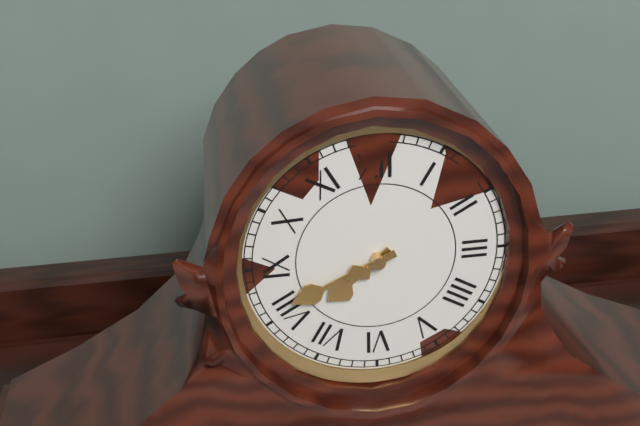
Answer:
7:41
